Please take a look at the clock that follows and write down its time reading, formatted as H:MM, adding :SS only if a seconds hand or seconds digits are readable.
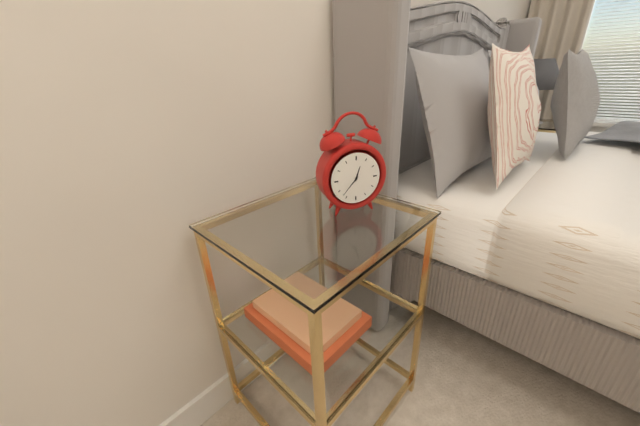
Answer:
12:37
